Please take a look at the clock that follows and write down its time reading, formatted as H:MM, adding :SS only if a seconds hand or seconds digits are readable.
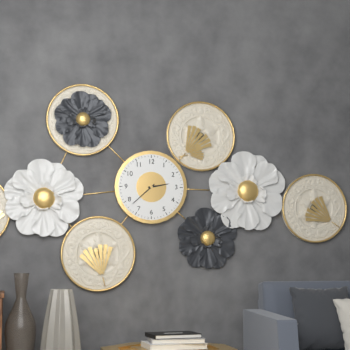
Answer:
2:38
